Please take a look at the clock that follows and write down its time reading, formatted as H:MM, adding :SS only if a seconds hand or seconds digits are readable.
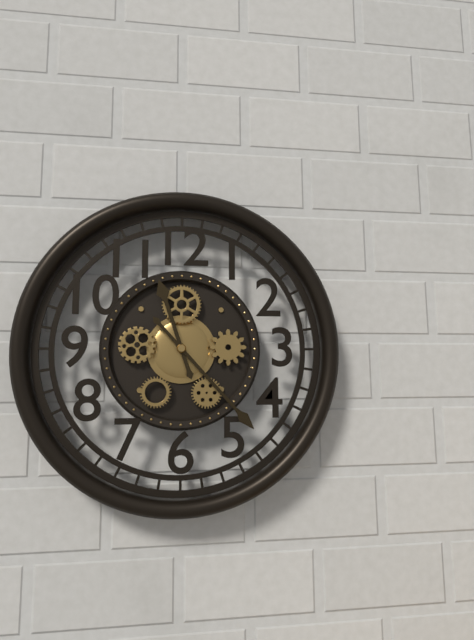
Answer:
11:23
